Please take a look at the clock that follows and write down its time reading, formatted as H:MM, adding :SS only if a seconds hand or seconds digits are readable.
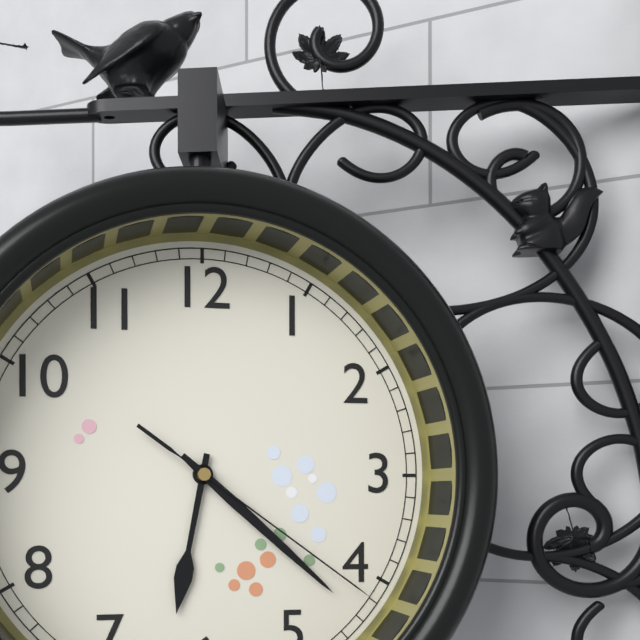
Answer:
6:22:21
